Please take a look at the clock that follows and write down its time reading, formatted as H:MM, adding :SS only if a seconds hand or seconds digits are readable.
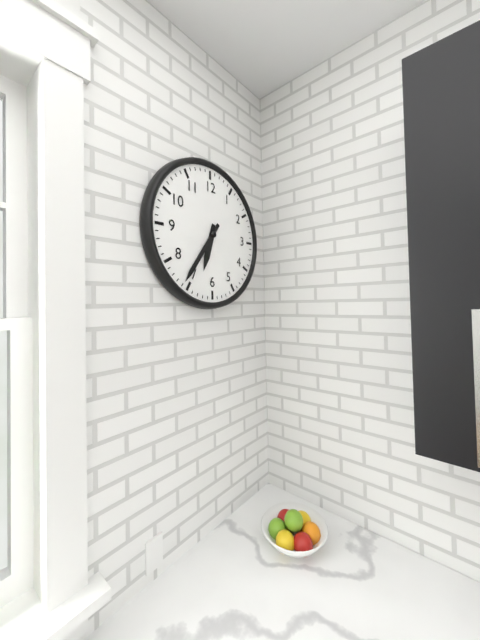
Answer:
6:36
